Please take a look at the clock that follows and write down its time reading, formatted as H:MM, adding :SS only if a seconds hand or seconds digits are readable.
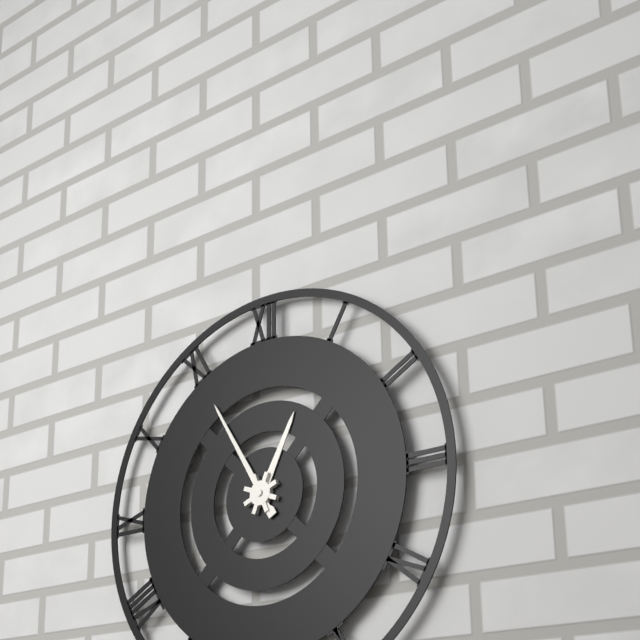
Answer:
12:55
